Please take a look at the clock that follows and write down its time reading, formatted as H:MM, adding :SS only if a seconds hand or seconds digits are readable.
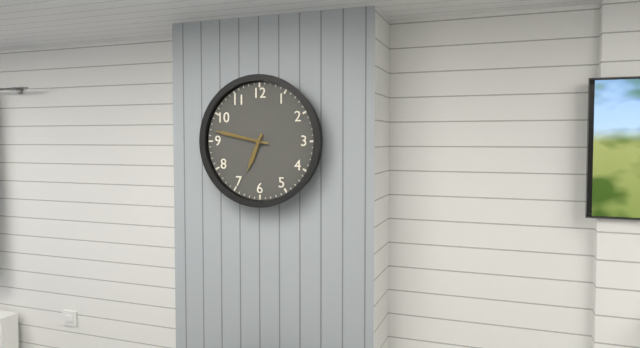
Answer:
6:47
